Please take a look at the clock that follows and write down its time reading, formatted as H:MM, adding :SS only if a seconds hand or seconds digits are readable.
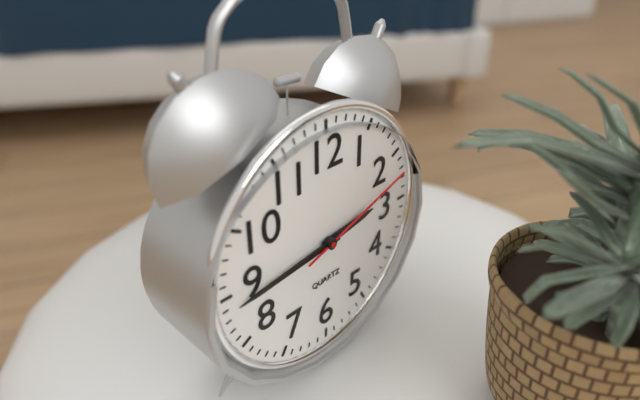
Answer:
2:44:12
